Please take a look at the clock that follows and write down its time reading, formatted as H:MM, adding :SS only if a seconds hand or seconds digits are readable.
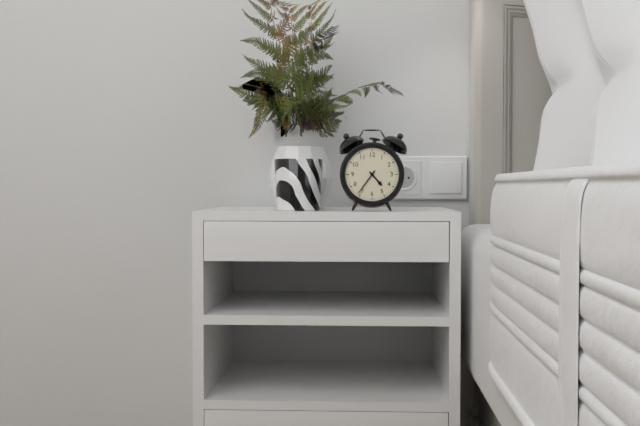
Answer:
4:36
